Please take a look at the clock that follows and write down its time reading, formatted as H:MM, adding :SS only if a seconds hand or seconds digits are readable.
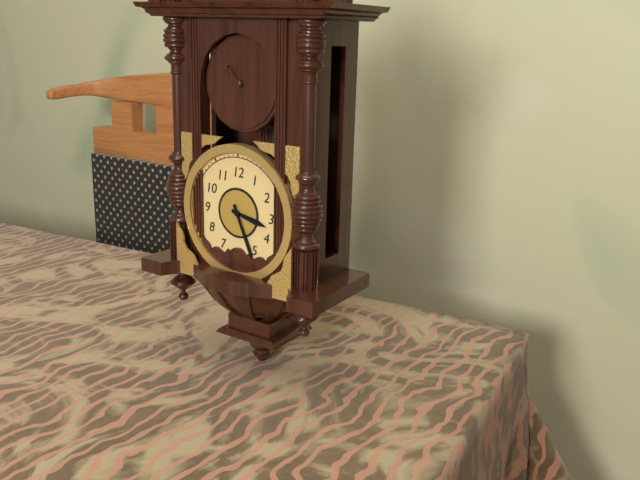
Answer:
3:26
